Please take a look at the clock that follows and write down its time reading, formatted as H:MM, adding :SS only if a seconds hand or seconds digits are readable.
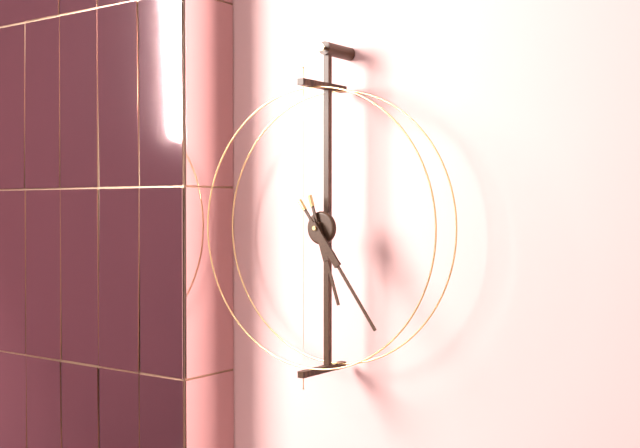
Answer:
5:24
